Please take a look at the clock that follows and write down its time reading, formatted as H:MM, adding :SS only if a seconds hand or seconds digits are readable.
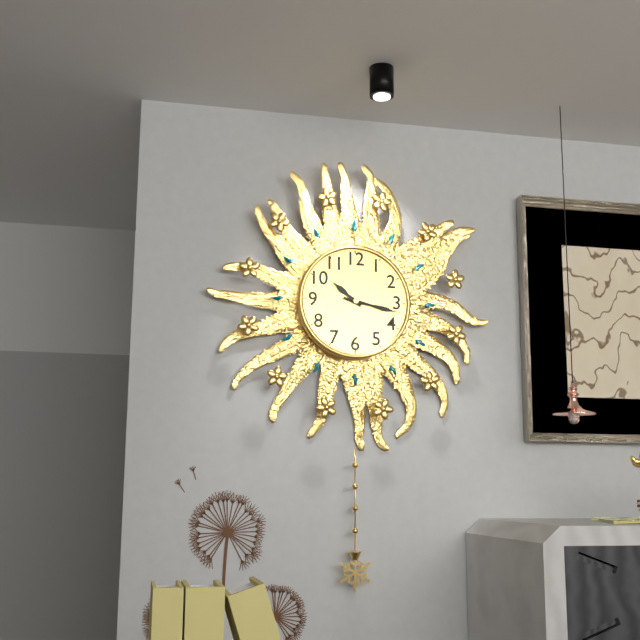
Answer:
10:17:17
